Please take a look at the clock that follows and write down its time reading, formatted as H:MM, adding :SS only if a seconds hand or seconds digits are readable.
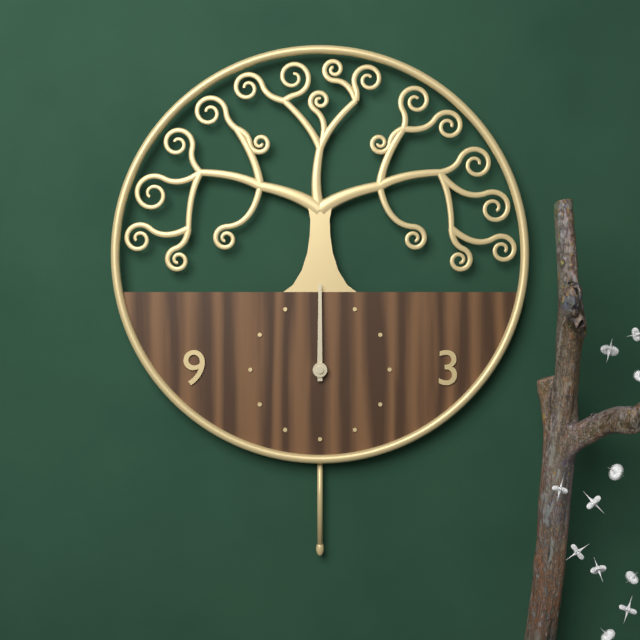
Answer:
12:00
